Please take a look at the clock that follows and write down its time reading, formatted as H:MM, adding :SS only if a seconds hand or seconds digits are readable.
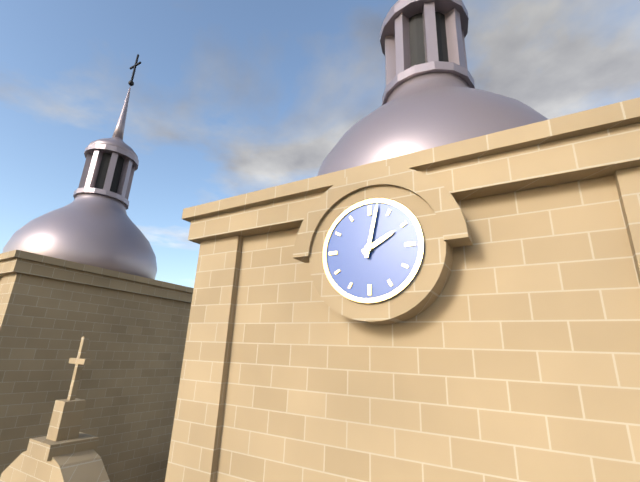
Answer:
2:02
